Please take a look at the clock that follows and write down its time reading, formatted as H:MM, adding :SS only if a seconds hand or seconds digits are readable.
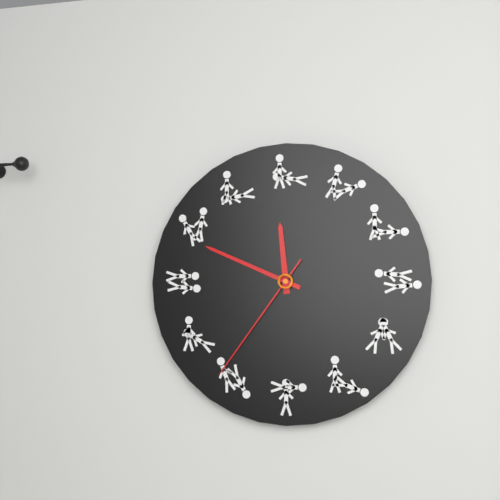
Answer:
11:49:36
